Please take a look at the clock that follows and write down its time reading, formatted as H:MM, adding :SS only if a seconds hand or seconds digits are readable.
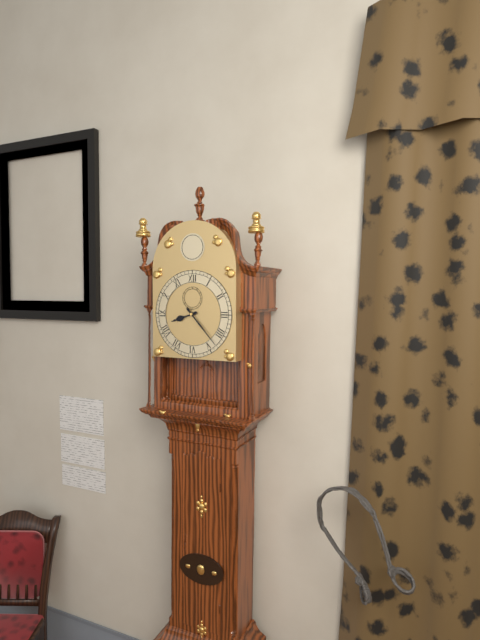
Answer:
8:23
